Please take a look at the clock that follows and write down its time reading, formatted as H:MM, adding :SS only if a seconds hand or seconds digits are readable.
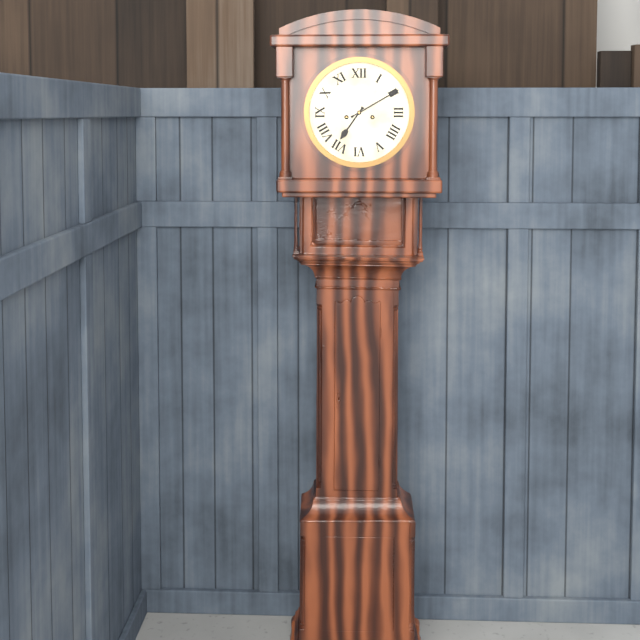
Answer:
7:10
